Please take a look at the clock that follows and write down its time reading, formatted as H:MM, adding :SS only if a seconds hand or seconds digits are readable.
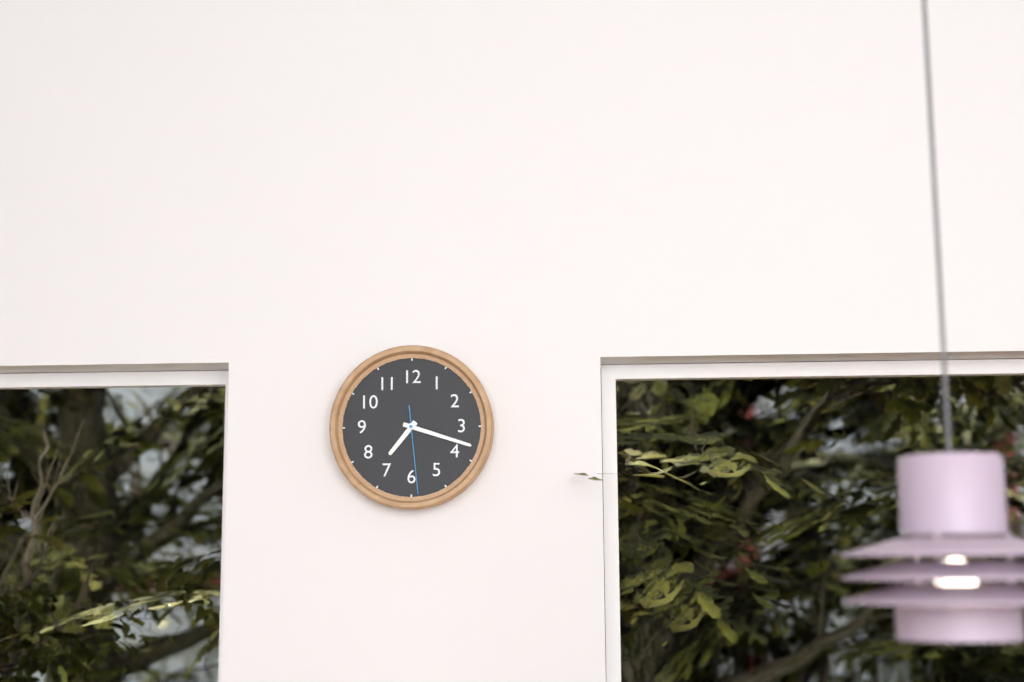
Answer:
7:18:29
